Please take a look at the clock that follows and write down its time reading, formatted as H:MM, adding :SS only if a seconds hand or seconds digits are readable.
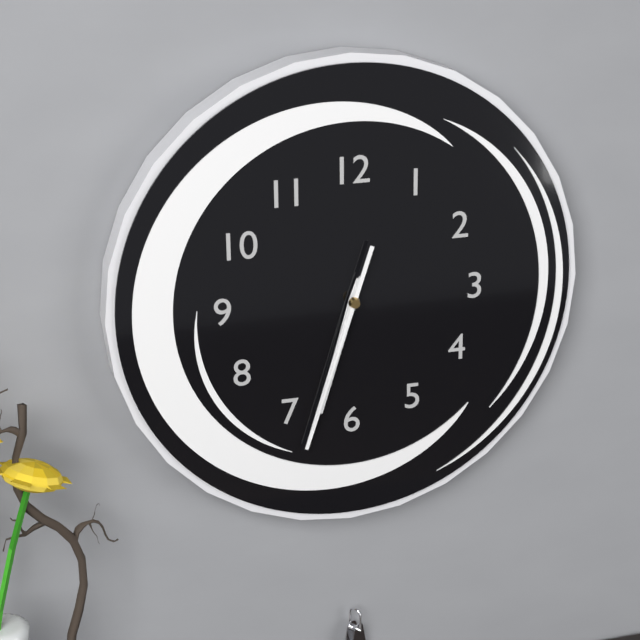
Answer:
6:33:33
